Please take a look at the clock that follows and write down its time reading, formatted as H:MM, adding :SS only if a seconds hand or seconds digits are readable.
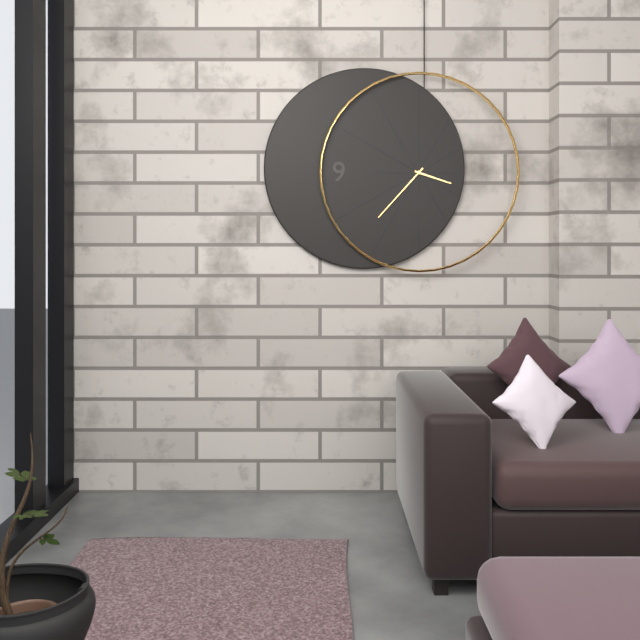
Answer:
3:37
